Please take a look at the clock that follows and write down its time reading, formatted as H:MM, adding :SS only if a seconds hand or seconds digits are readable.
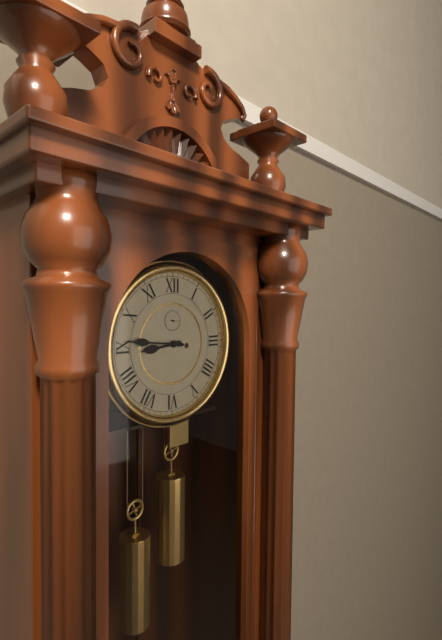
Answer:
8:46
